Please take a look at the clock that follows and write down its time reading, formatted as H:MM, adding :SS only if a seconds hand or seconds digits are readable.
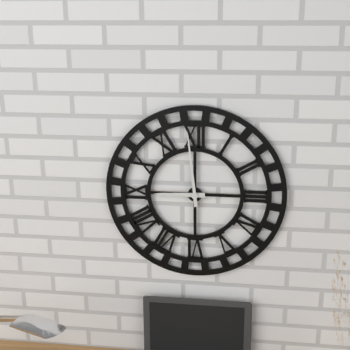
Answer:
8:59
